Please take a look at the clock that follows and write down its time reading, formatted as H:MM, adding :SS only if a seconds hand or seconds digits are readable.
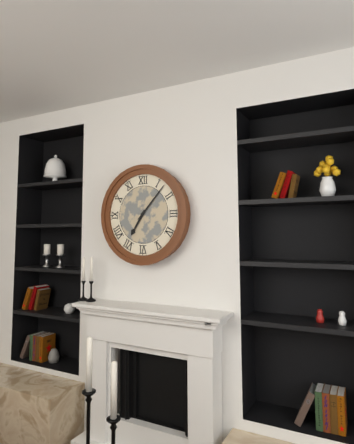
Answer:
7:07
